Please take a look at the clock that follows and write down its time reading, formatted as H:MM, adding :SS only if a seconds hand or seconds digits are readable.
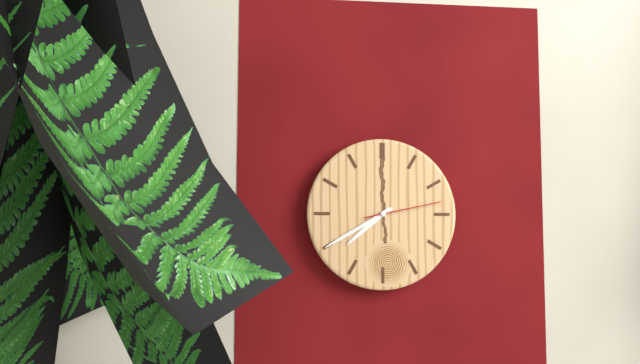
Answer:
7:40:13
